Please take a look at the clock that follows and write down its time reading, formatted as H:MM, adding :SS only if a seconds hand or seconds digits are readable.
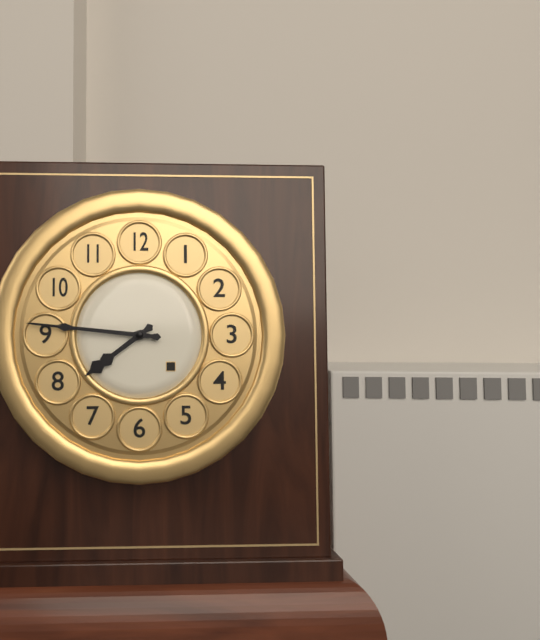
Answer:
7:46
